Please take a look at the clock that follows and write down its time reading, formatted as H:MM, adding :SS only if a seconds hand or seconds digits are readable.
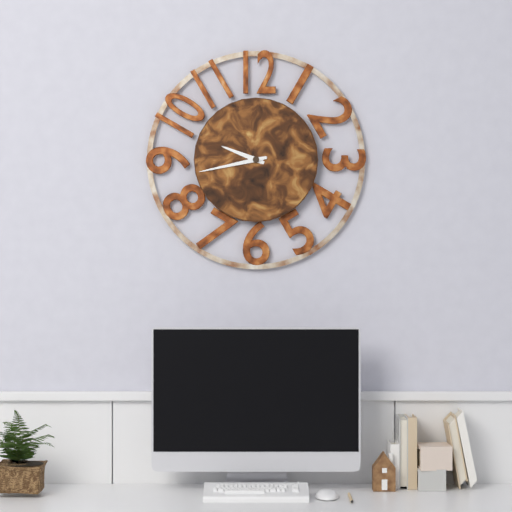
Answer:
9:43
